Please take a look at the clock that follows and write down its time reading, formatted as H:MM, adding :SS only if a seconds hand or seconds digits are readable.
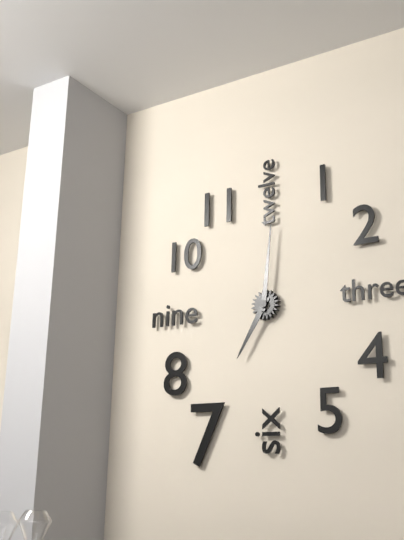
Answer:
7:01
